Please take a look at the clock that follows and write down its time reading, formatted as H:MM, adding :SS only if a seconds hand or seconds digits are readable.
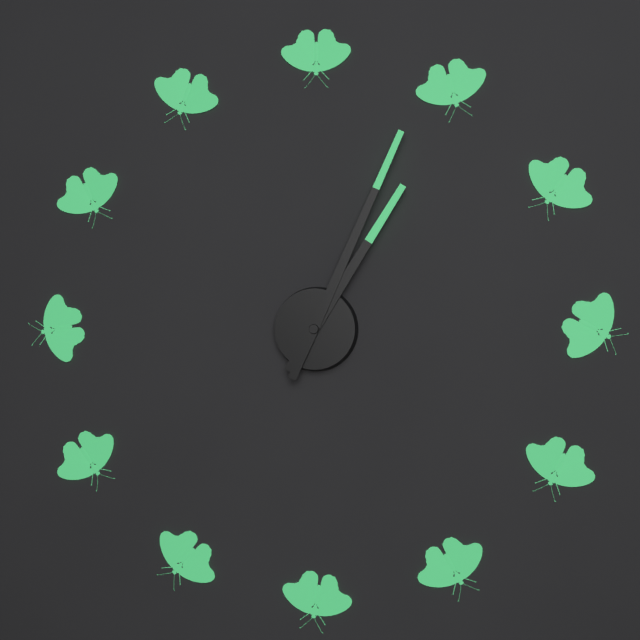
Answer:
1:04
